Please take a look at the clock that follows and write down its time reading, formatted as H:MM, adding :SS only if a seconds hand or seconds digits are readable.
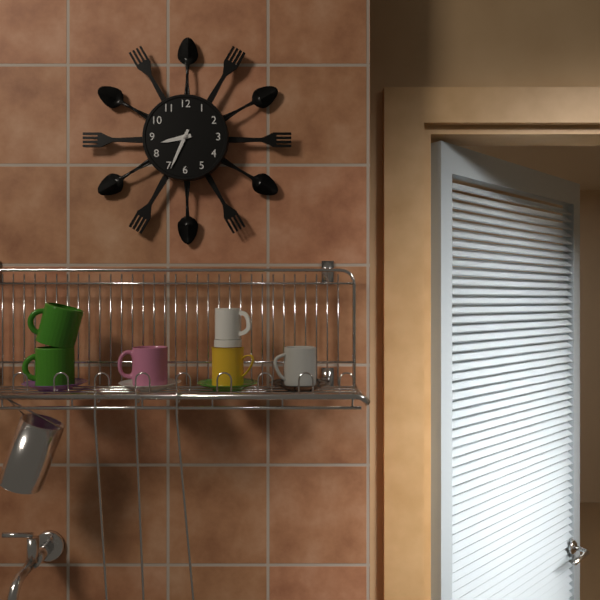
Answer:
8:34
